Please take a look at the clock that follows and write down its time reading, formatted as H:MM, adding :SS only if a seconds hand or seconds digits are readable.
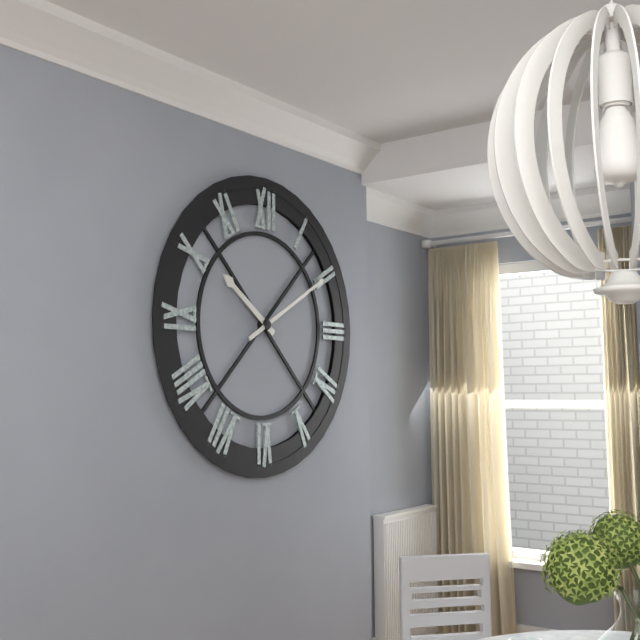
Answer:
10:10
